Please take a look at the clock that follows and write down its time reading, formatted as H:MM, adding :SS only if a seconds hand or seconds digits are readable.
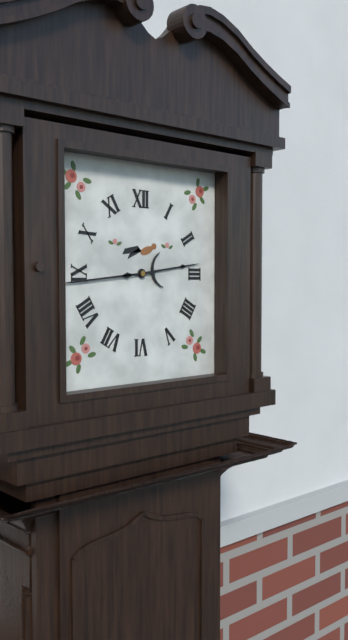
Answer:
2:44
